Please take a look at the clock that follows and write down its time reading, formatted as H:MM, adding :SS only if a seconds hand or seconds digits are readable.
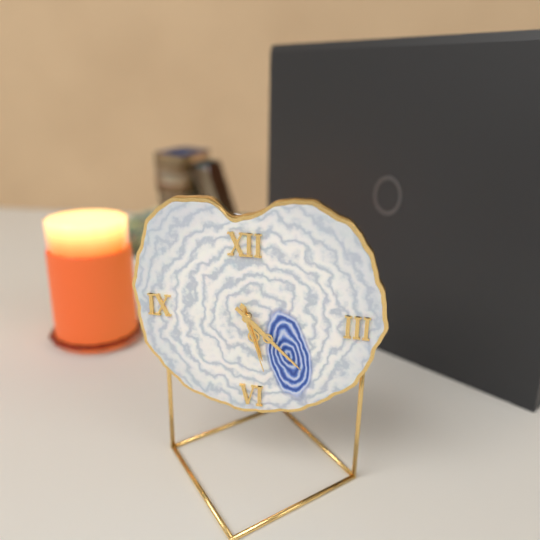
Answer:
5:22:27
